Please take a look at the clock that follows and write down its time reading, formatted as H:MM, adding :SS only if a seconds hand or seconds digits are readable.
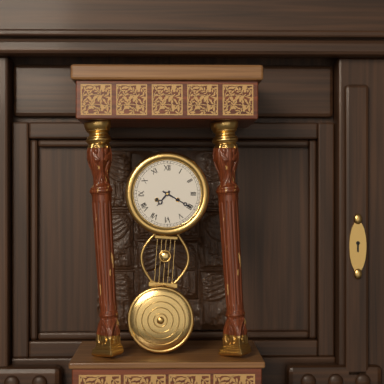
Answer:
7:20
